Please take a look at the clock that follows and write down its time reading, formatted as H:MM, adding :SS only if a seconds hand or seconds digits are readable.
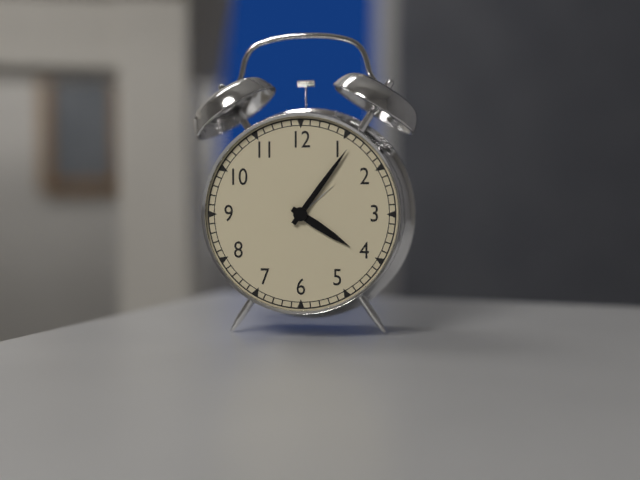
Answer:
4:06
